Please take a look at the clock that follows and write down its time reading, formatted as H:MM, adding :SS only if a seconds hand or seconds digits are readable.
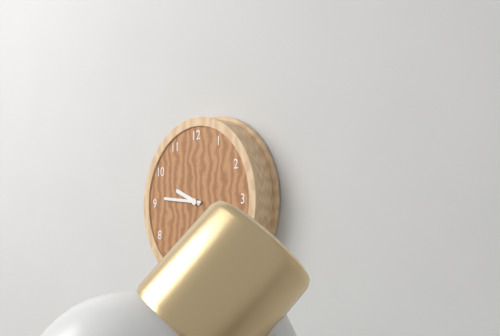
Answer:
9:46
